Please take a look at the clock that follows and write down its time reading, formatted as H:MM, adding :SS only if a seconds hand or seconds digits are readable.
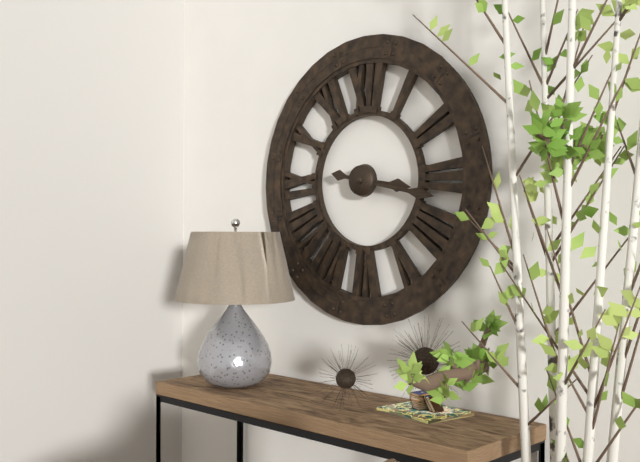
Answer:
3:17
